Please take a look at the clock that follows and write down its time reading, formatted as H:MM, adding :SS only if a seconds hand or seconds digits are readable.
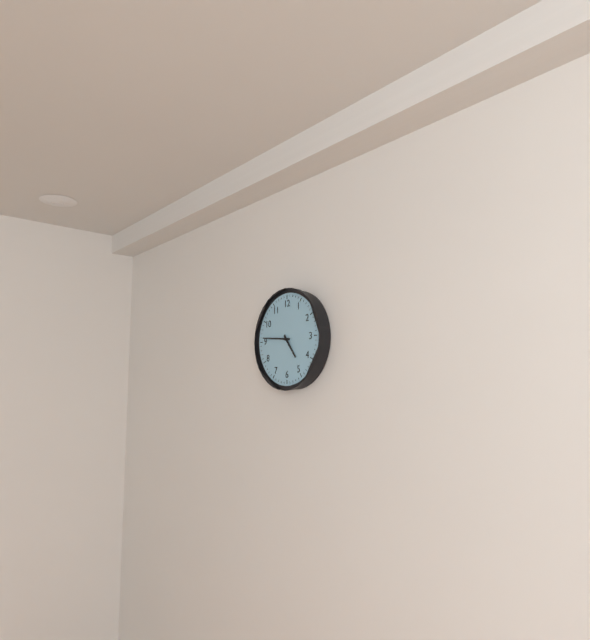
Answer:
4:46
